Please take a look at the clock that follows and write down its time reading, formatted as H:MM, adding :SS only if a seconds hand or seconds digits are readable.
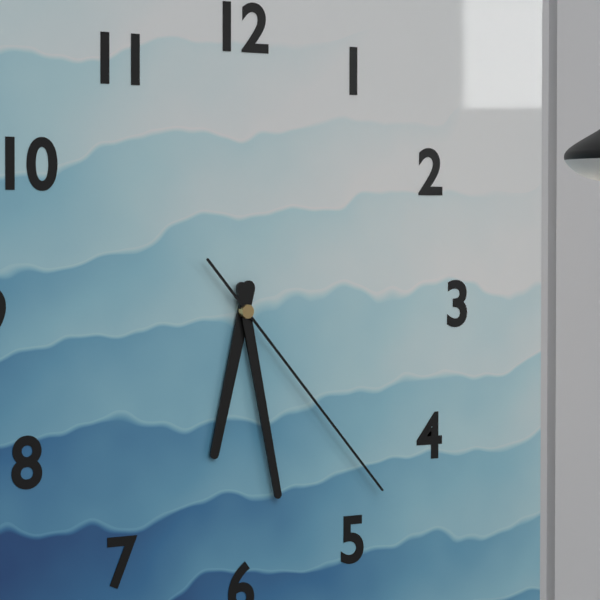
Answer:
6:28:23
